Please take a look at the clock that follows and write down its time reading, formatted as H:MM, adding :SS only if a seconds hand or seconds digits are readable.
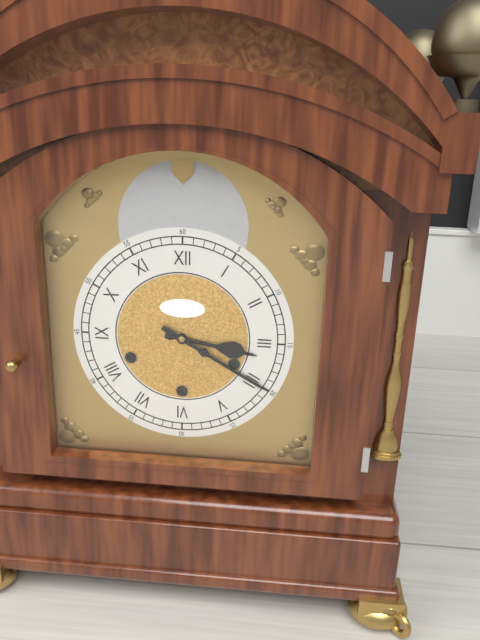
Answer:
3:20
